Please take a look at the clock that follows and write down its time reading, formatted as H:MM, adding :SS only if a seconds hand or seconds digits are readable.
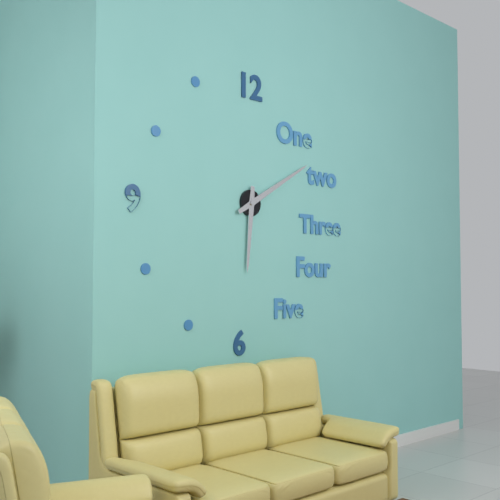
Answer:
6:10
